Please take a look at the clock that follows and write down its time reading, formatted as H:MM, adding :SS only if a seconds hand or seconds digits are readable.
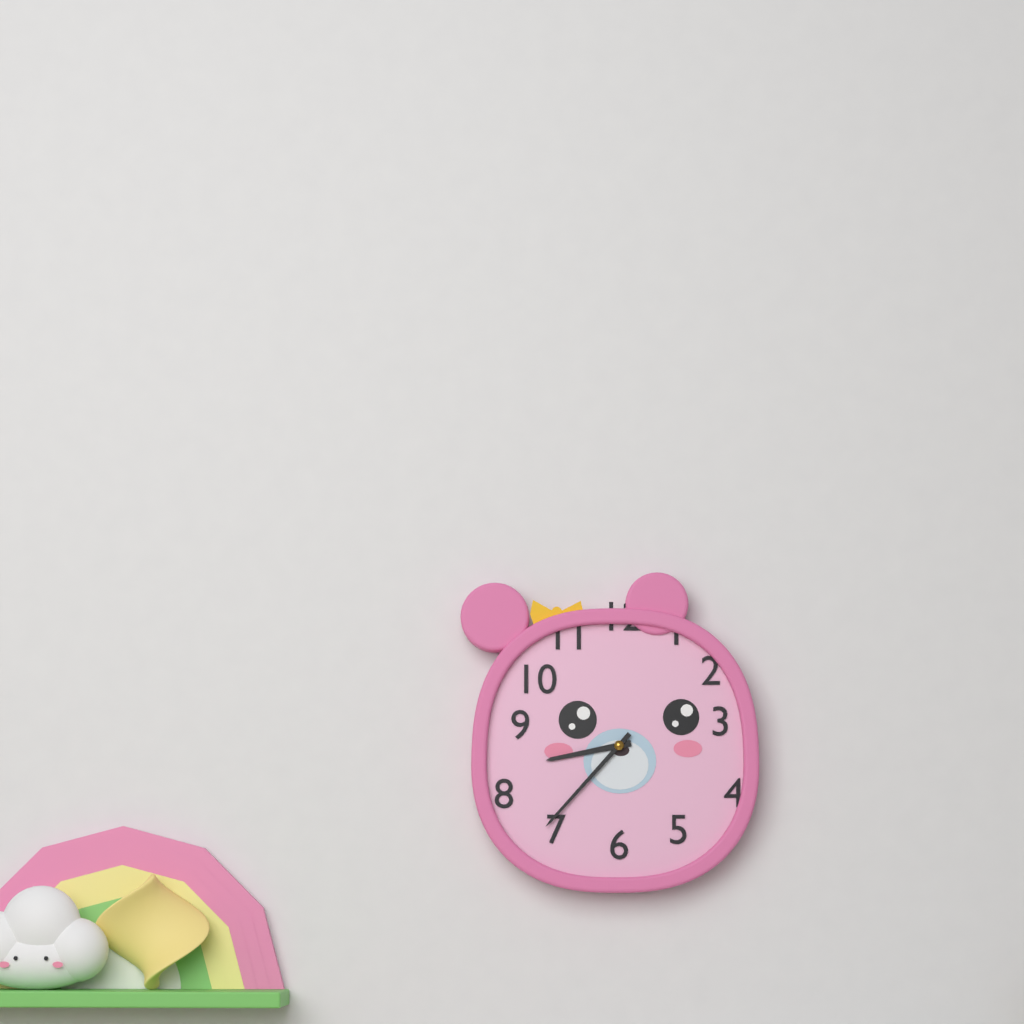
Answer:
8:37
